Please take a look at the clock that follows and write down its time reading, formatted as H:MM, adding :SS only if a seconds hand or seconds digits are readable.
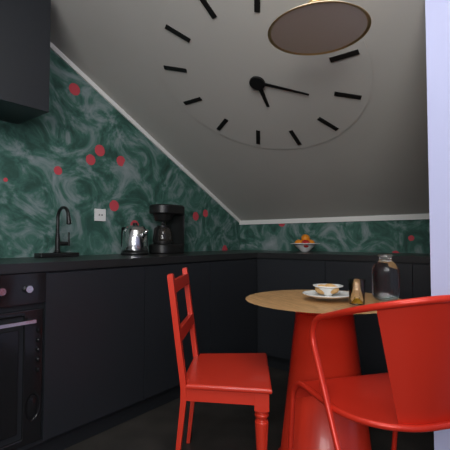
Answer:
6:21
